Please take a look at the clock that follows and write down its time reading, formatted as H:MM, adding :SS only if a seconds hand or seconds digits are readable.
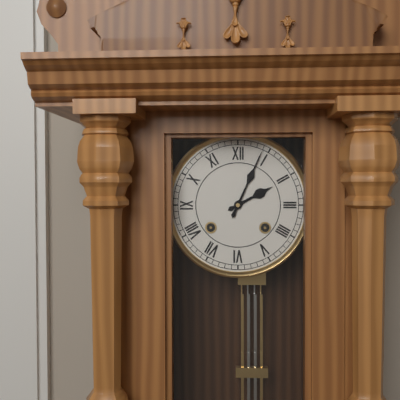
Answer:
2:04
